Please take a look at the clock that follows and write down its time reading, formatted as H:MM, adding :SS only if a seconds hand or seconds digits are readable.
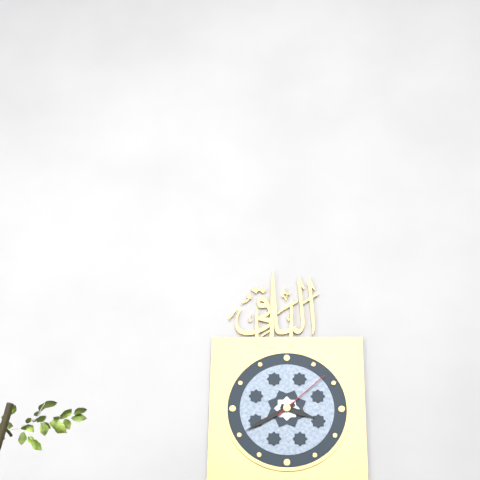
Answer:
3:40:08
